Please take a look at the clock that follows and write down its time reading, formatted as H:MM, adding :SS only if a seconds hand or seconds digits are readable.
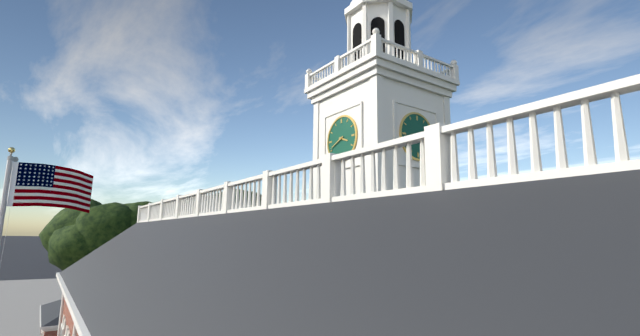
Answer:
3:41
